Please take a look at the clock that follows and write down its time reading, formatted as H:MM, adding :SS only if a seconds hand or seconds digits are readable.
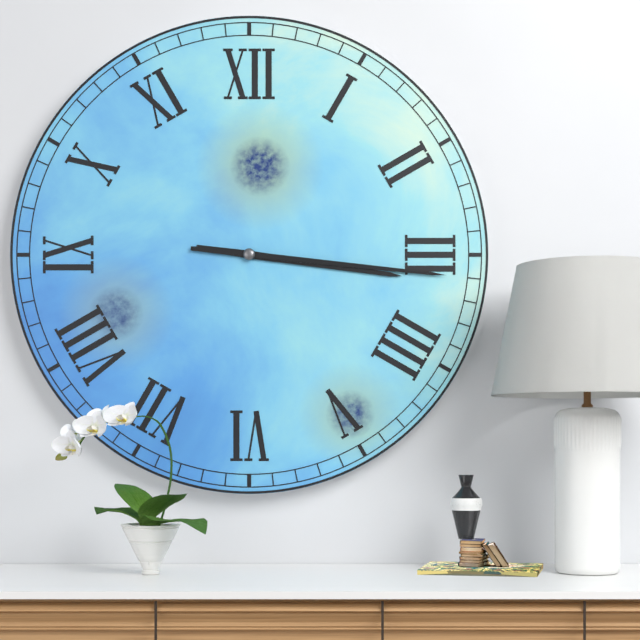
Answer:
3:16
